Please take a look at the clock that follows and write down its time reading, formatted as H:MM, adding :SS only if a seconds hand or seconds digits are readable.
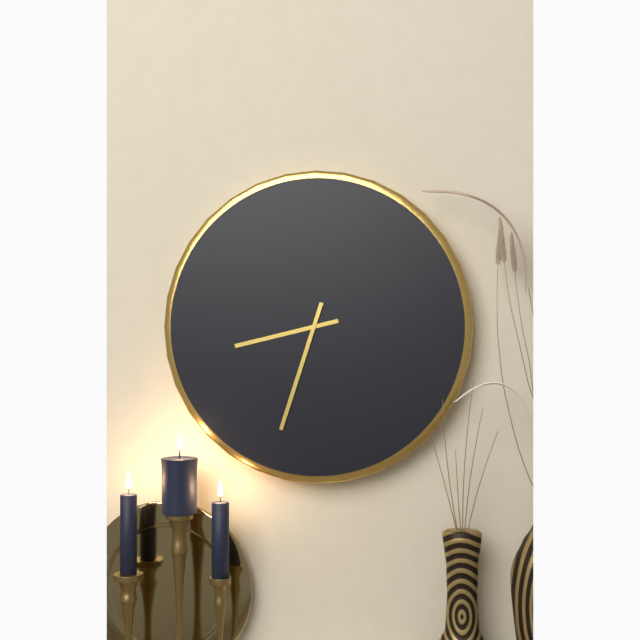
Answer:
8:33
